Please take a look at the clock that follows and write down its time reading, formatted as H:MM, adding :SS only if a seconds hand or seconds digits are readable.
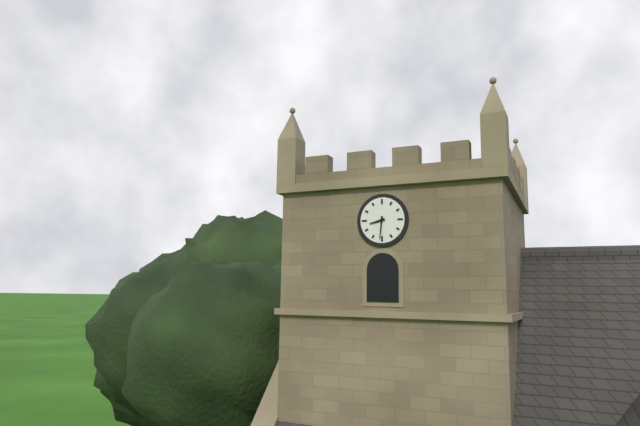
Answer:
8:31
